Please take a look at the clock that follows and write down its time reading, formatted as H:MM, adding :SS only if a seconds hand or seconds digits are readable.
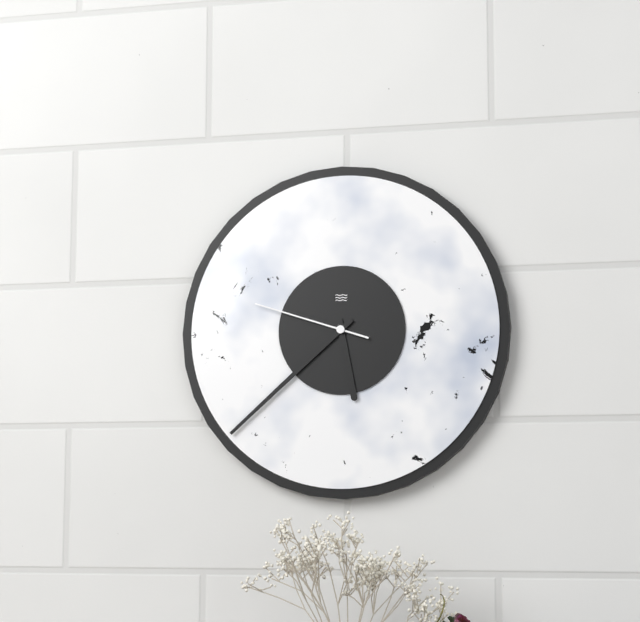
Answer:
5:38:48
